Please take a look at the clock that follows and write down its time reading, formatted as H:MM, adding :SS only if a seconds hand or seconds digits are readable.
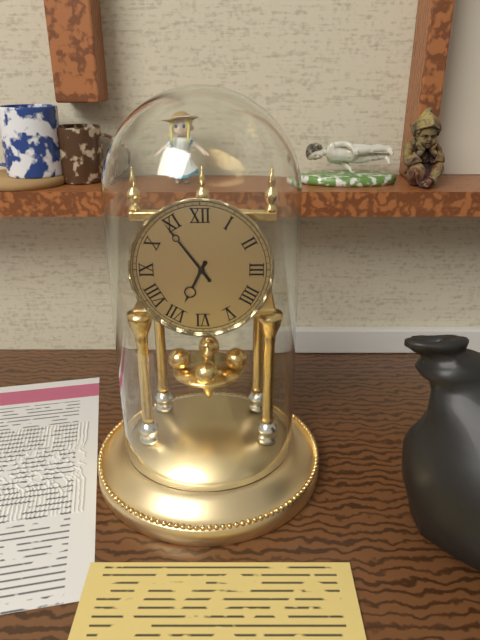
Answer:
6:54
